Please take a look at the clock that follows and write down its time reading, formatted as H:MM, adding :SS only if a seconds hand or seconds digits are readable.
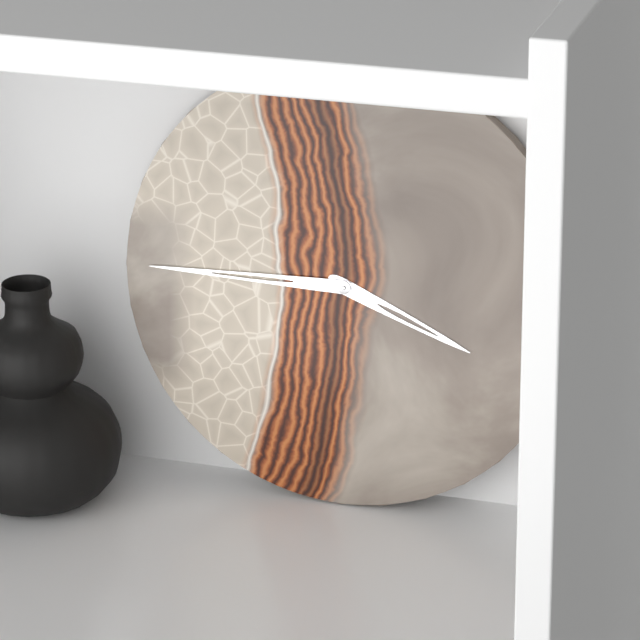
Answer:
3:45
